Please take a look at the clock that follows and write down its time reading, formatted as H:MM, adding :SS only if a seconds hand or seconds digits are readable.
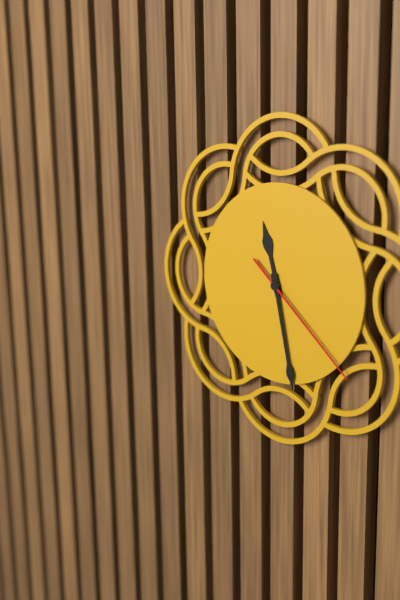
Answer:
11:28:22
